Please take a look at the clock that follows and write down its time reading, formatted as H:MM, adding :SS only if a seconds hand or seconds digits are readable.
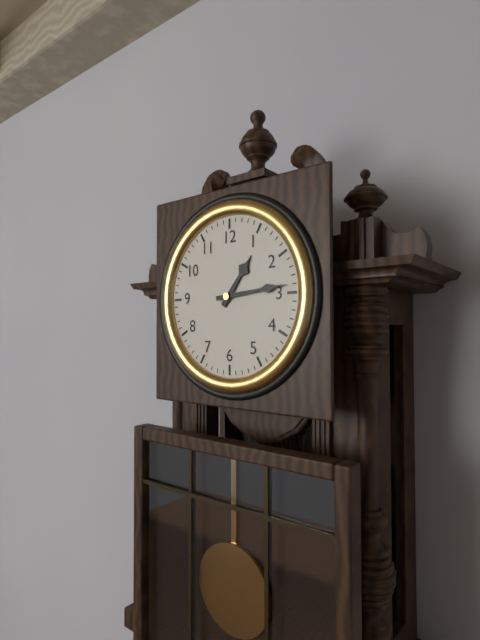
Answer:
1:14
